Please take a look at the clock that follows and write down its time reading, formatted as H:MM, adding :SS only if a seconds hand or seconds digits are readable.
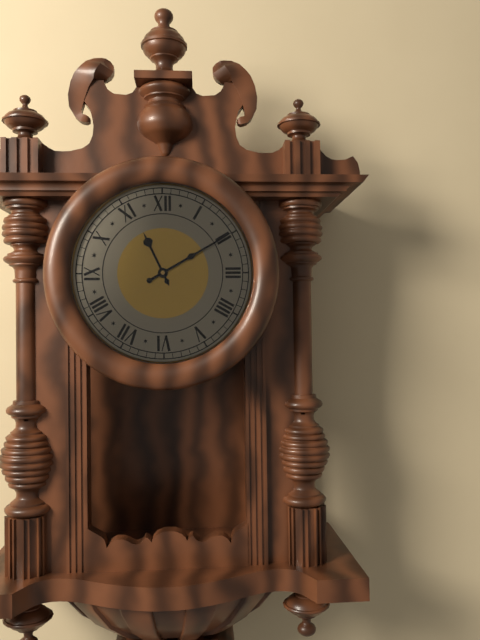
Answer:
11:10
